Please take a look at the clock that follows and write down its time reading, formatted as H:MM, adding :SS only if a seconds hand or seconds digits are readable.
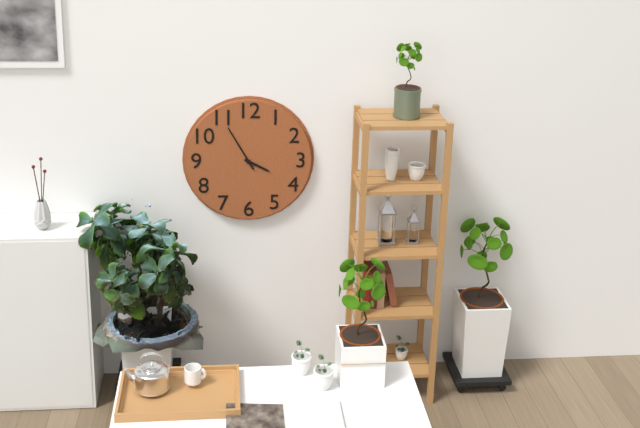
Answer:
3:55
